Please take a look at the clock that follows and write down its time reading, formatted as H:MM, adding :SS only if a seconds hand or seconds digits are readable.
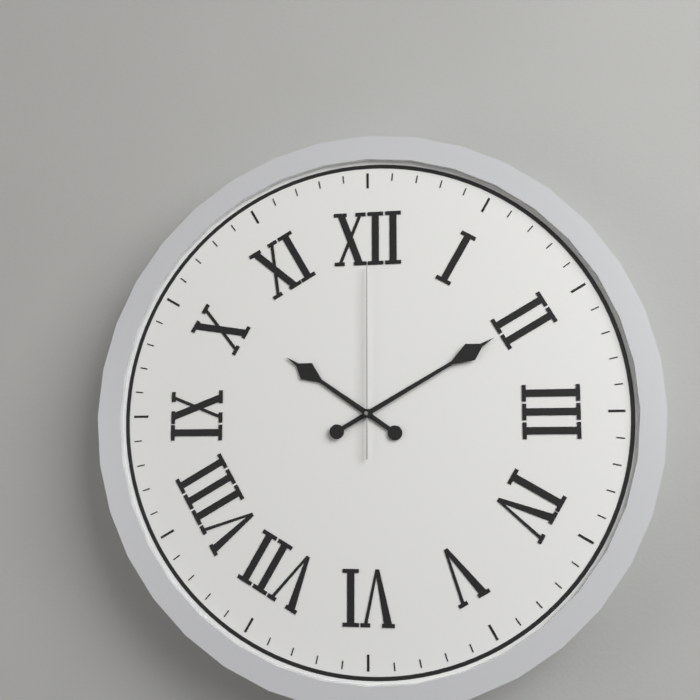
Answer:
10:10:00
